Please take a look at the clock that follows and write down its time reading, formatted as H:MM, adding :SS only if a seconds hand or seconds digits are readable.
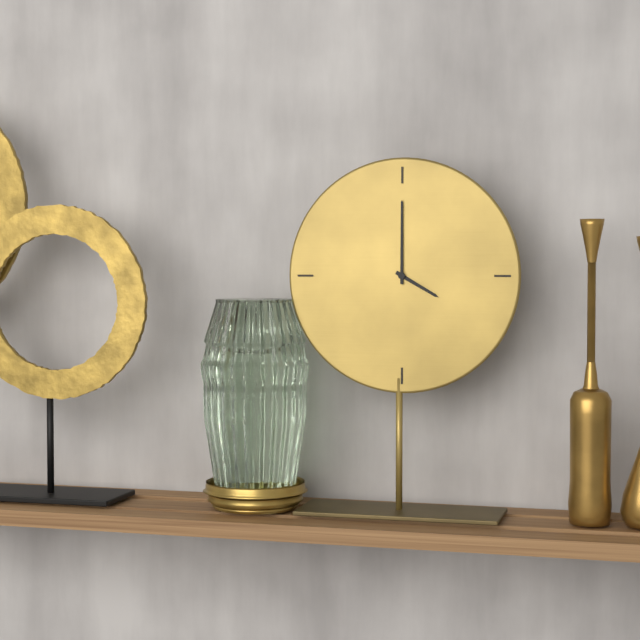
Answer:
4:00
